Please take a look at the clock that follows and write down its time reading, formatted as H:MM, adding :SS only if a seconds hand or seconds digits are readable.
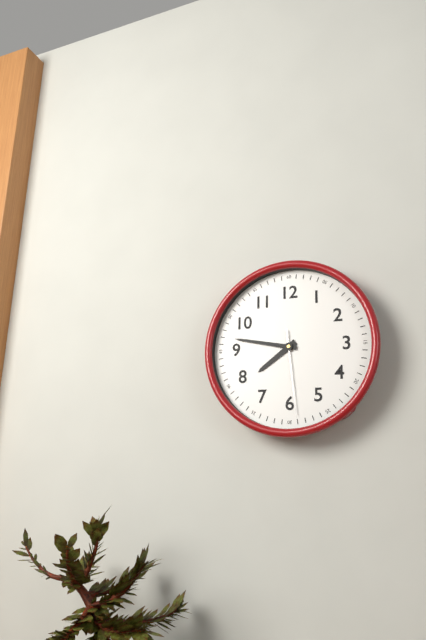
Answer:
7:47:29
